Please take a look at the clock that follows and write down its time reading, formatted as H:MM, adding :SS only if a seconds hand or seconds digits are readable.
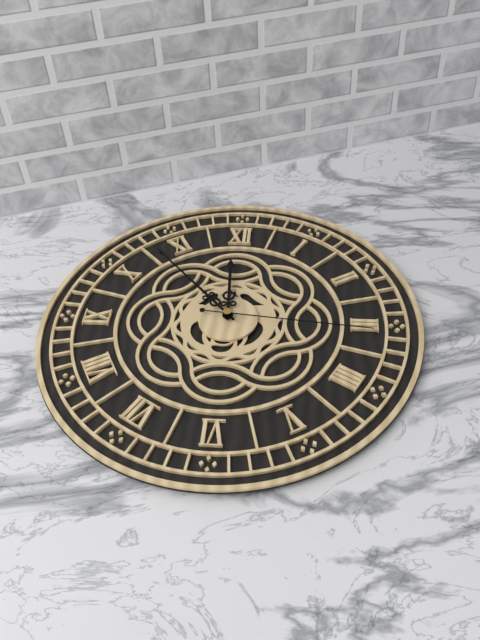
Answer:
11:53:16
